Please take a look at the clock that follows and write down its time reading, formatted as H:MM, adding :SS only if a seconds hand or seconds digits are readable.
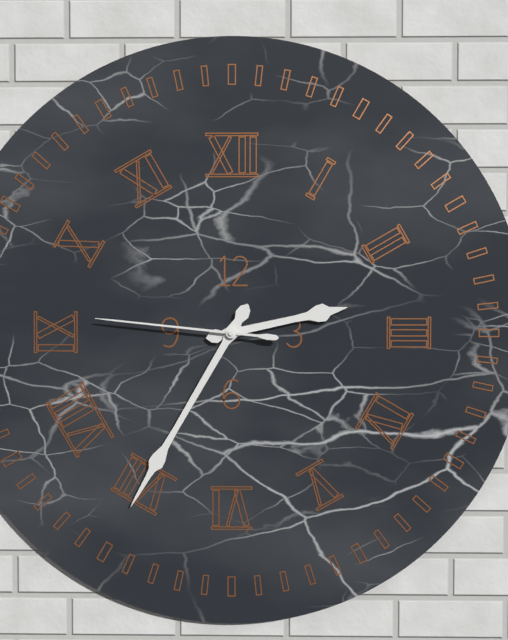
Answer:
2:35:46
